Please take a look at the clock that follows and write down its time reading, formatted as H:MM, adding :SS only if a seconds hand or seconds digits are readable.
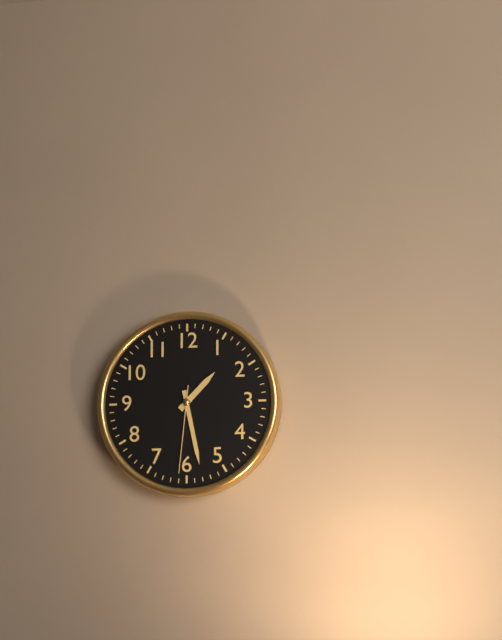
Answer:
1:28:31
